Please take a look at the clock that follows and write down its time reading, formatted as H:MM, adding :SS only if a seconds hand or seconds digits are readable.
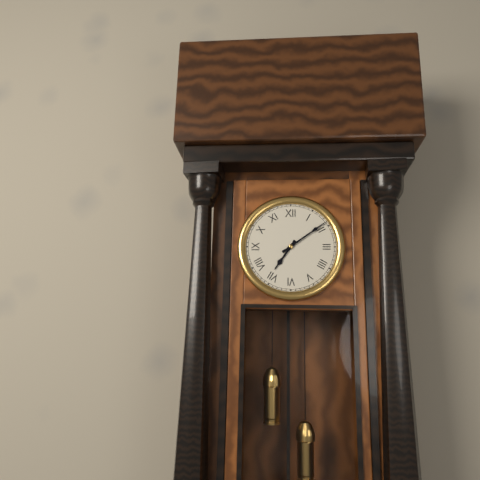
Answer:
7:09
